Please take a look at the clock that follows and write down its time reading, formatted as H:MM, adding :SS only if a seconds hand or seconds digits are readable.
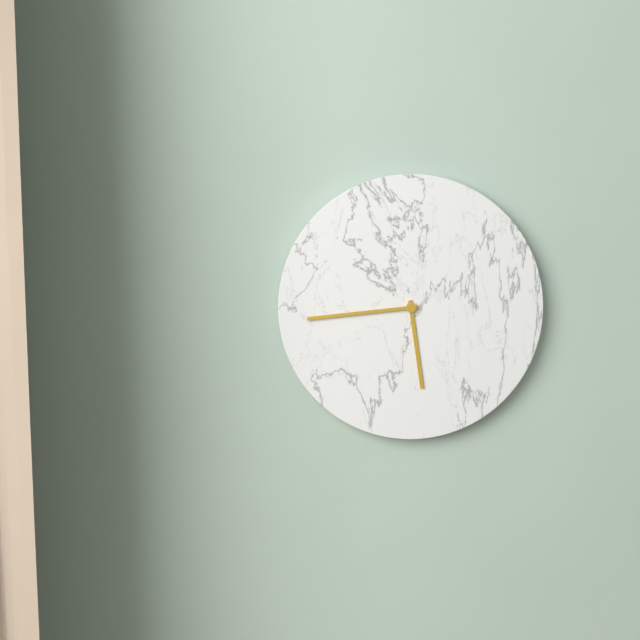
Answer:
5:44
